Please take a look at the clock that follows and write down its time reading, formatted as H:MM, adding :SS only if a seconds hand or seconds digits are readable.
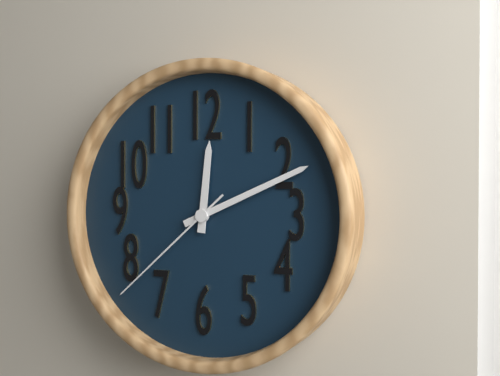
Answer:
12:11:38
